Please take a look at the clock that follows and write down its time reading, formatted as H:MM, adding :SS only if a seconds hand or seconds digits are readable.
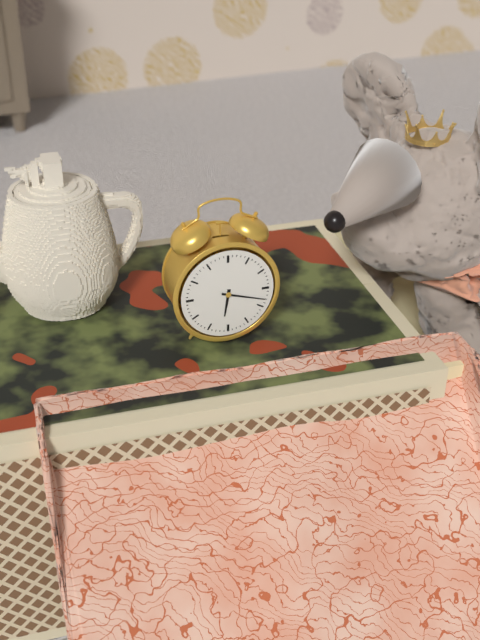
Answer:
6:18
